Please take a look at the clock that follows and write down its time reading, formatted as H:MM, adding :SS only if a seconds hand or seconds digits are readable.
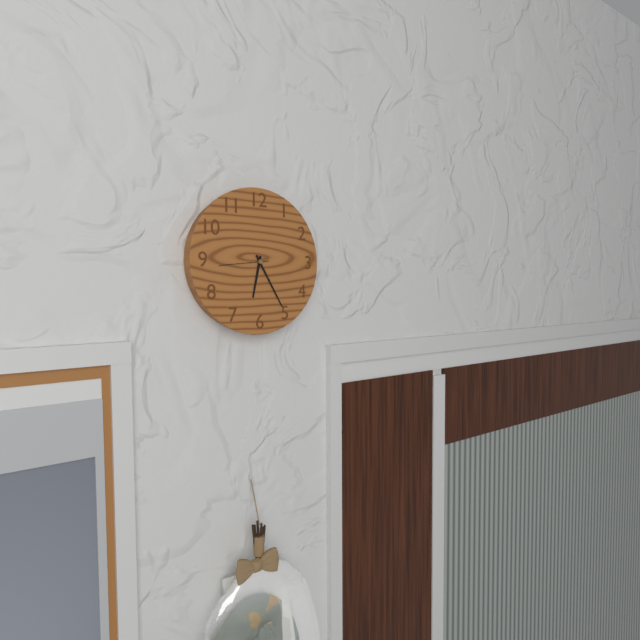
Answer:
6:25:44
